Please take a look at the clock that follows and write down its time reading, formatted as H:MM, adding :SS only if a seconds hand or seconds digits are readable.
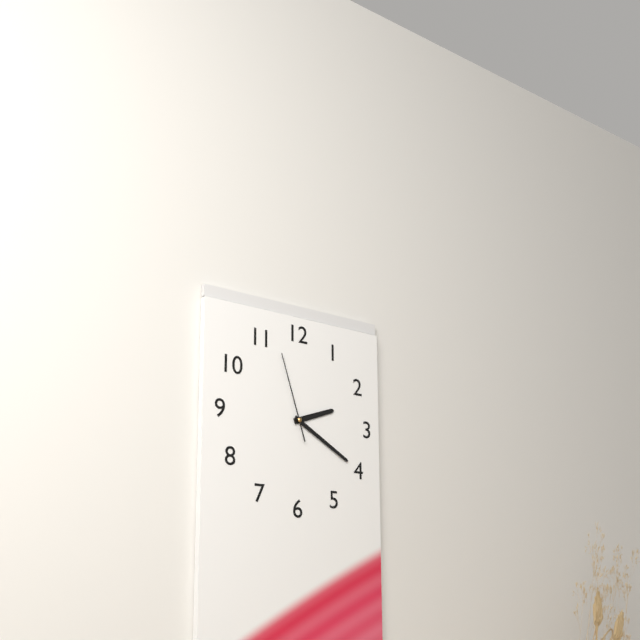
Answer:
2:20:57
